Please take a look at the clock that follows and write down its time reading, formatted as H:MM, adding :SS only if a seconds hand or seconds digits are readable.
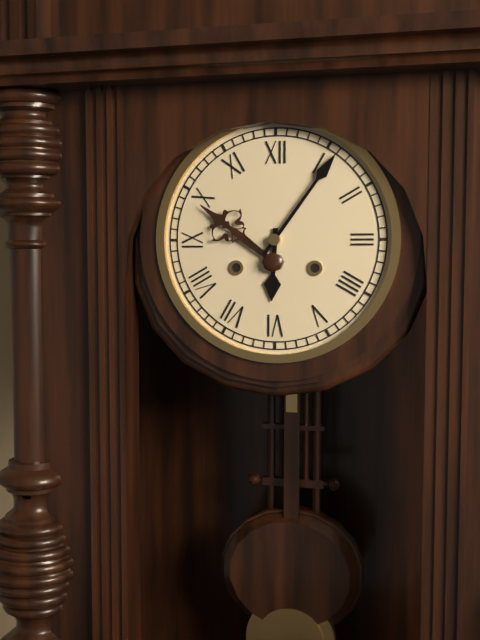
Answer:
6:06
